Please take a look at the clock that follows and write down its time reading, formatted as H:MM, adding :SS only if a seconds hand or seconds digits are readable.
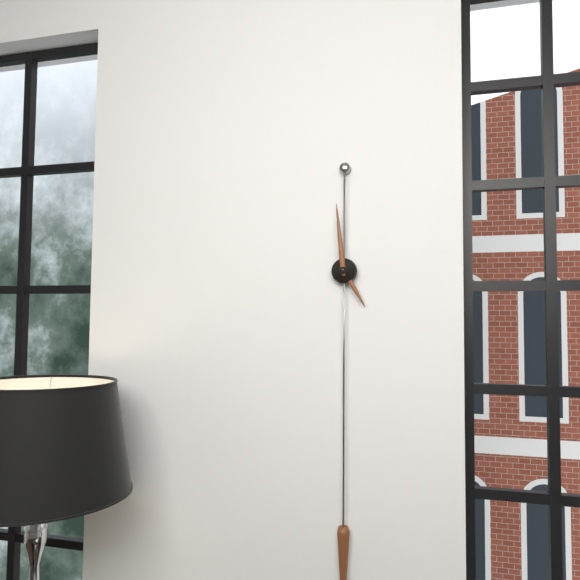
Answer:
4:59
